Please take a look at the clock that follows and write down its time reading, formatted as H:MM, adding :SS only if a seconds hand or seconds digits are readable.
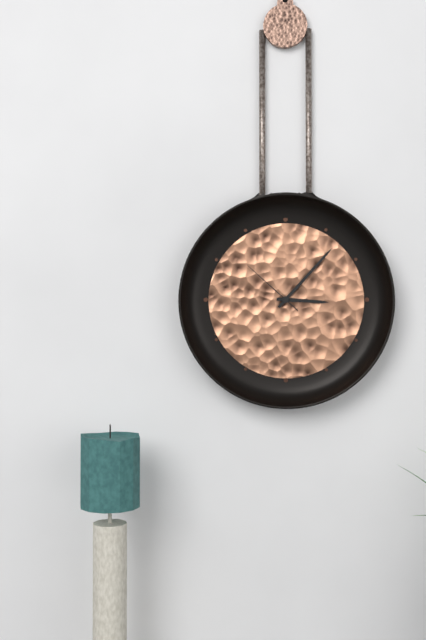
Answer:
3:07:52
